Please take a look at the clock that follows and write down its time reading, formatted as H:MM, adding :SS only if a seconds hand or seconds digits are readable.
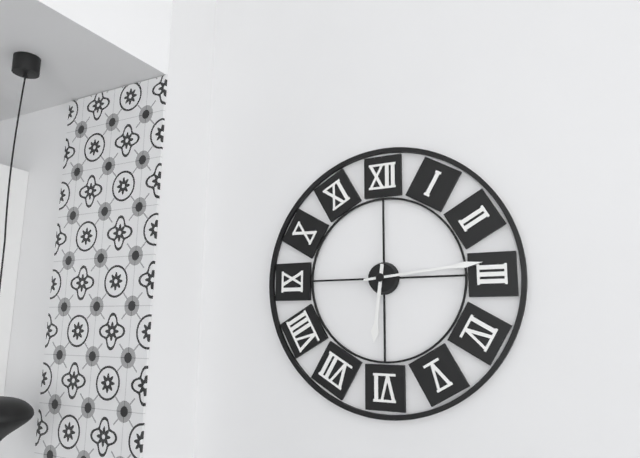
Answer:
6:14
